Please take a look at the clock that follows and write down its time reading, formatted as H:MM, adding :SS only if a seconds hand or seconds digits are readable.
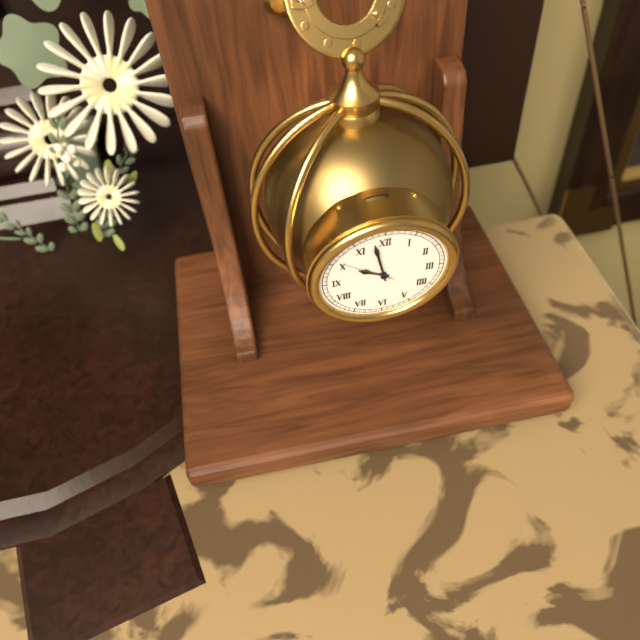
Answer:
9:58:51
